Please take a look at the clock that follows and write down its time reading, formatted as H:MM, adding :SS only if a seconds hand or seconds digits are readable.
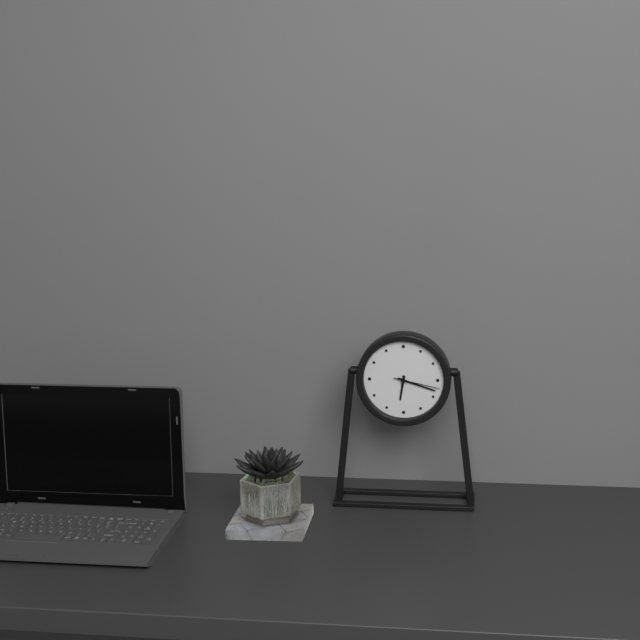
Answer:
6:18
